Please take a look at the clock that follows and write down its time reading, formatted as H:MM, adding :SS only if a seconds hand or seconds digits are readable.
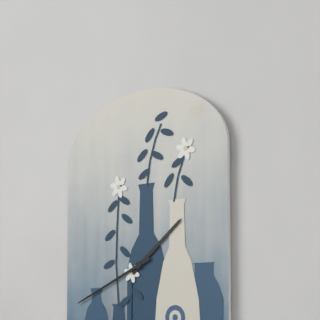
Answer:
1:41
